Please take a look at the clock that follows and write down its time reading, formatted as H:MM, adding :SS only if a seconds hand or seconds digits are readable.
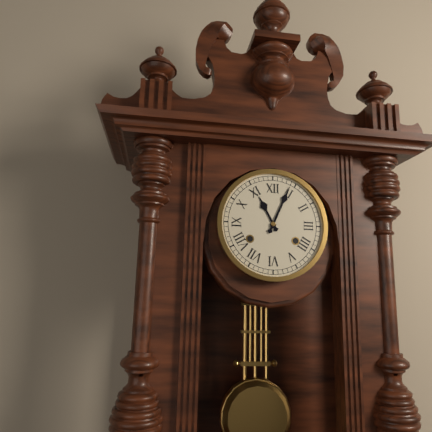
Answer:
11:04
